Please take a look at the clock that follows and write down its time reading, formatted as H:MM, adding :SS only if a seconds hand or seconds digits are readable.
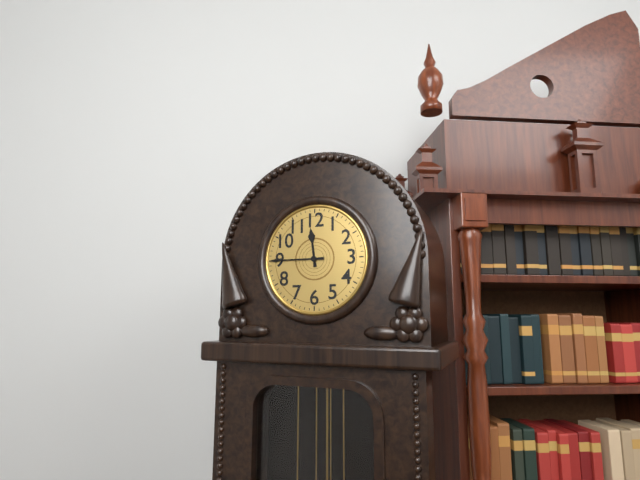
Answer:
11:45
